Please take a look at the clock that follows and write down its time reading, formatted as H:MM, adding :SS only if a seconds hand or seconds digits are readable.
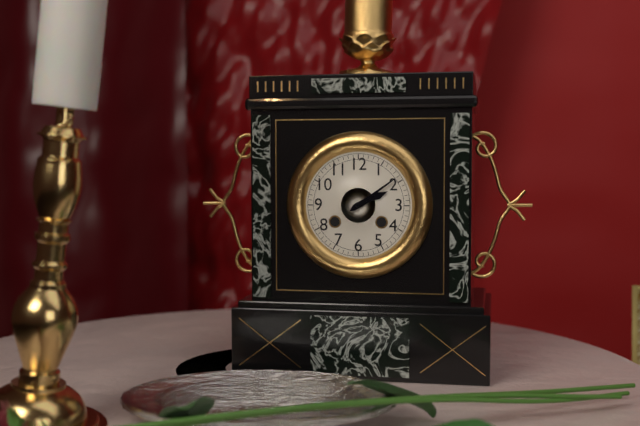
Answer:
2:09
